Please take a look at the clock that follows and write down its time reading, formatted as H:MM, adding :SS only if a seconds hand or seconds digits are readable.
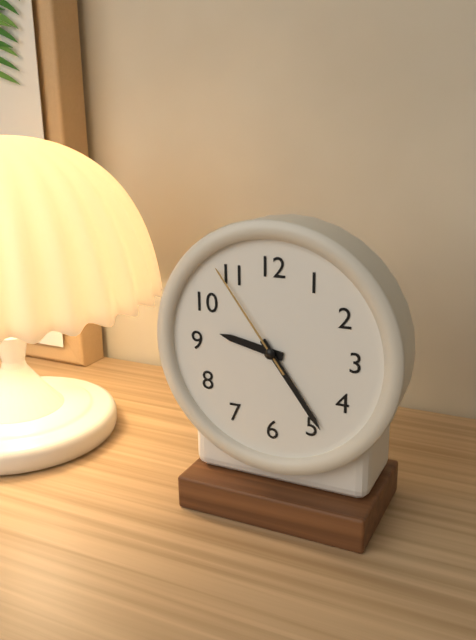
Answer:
9:24:54
